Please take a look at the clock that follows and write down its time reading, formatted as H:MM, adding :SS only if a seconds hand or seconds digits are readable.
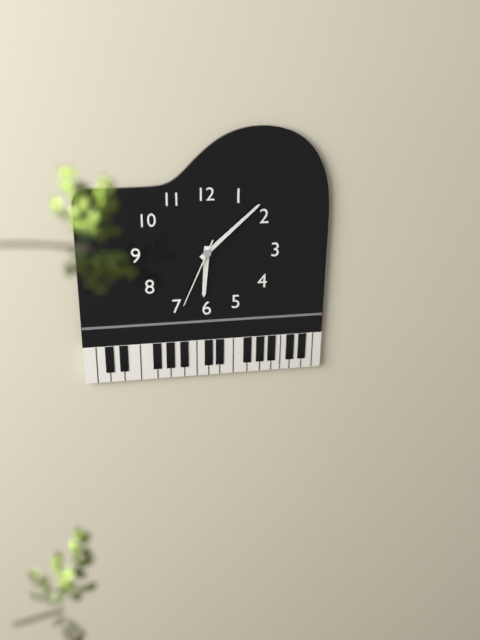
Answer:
6:08:34
